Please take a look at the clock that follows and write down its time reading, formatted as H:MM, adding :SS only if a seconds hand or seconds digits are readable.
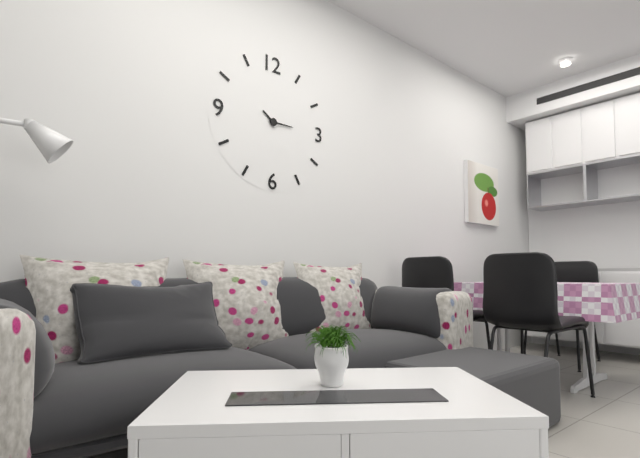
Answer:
10:15
